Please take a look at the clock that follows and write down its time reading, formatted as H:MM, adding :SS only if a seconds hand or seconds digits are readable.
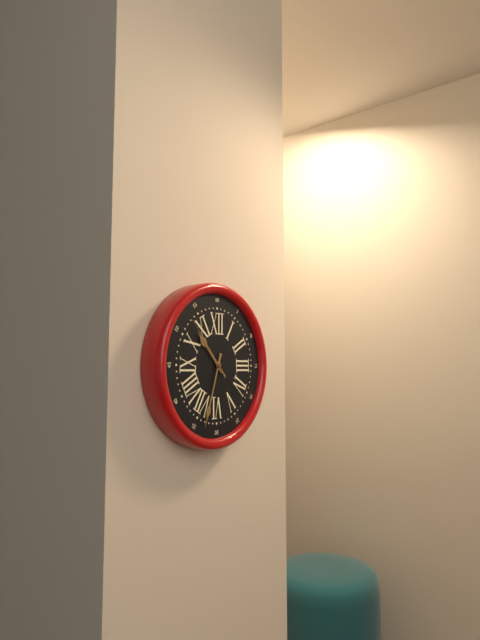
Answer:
10:33:53
